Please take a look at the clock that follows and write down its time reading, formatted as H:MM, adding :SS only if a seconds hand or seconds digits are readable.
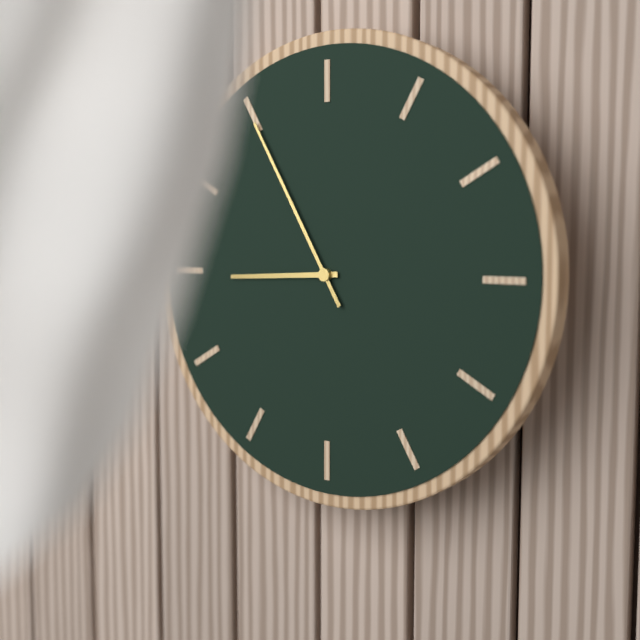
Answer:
8:55
